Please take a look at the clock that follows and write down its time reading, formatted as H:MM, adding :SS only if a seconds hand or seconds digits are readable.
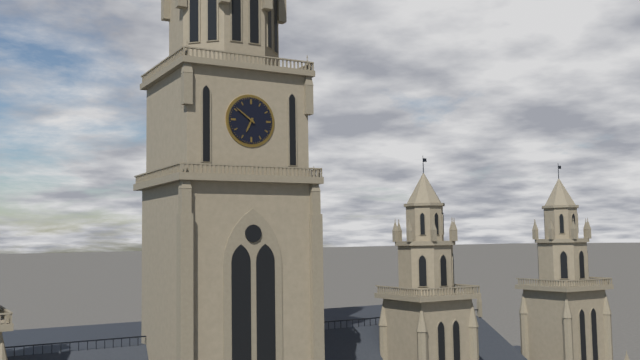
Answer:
6:51
